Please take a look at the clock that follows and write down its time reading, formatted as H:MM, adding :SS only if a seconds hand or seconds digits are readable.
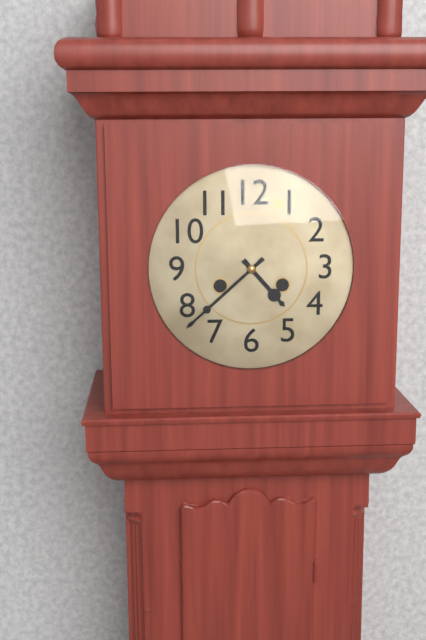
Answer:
4:38
